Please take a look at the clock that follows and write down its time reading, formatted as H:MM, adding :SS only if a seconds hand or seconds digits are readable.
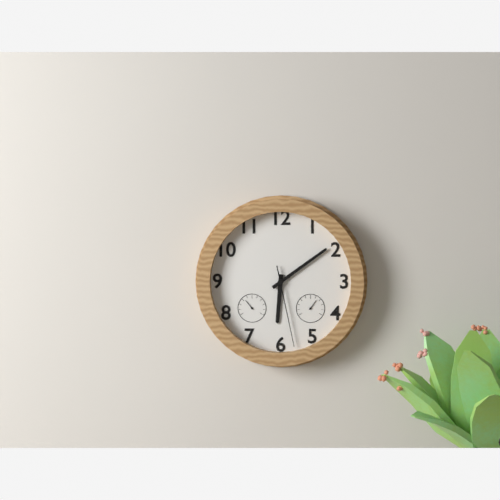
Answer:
6:09:28
